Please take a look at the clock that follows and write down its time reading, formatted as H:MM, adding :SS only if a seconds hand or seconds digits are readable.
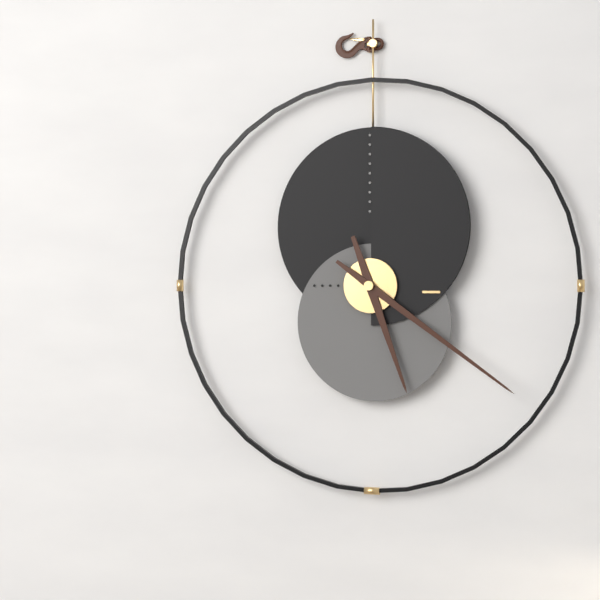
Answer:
5:21
